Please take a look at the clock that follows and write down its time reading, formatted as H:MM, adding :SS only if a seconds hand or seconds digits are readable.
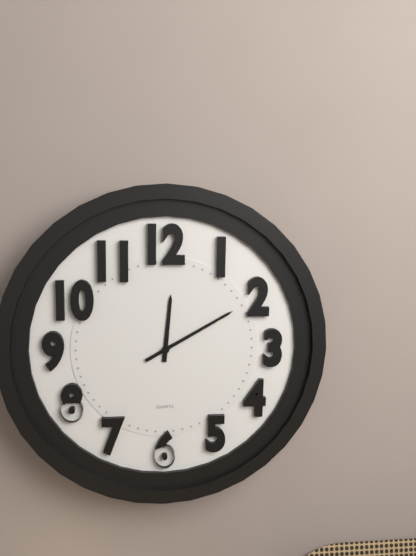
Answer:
12:10
